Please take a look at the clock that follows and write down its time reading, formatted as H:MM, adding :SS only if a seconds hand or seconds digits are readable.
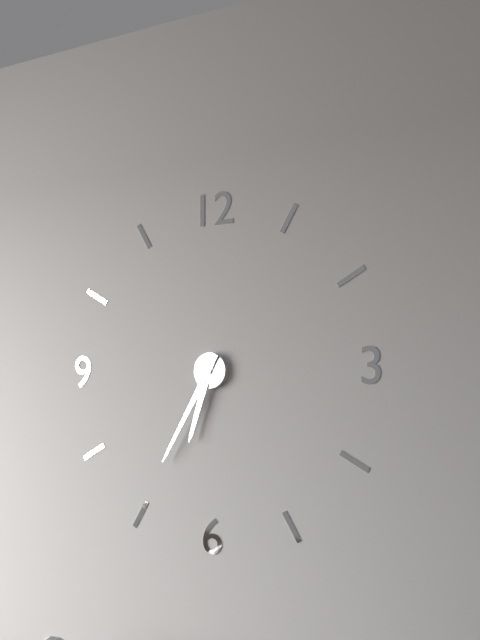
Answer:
6:35
